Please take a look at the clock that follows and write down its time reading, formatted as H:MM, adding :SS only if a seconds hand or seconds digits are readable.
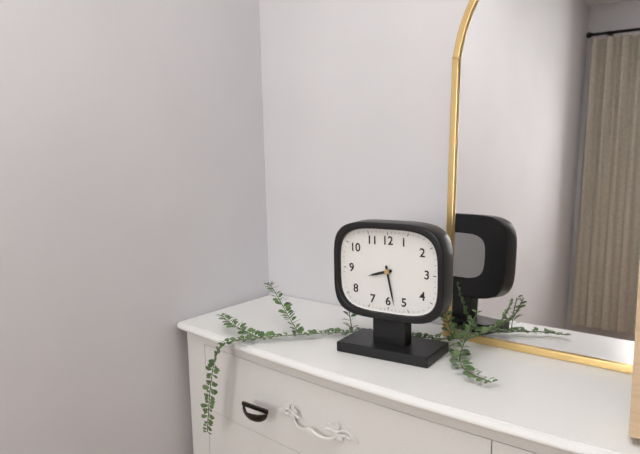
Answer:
8:28
